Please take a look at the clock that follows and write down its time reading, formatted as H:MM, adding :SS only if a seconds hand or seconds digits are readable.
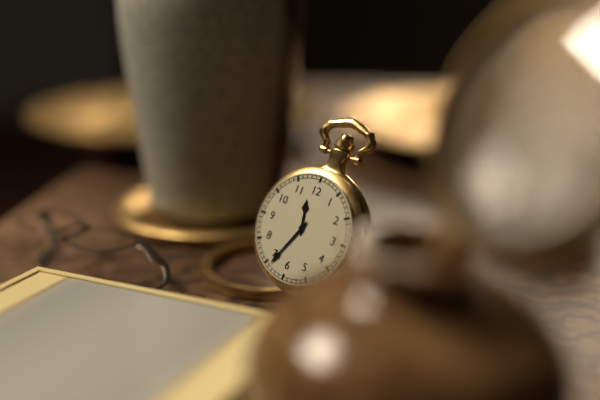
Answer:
11:34
